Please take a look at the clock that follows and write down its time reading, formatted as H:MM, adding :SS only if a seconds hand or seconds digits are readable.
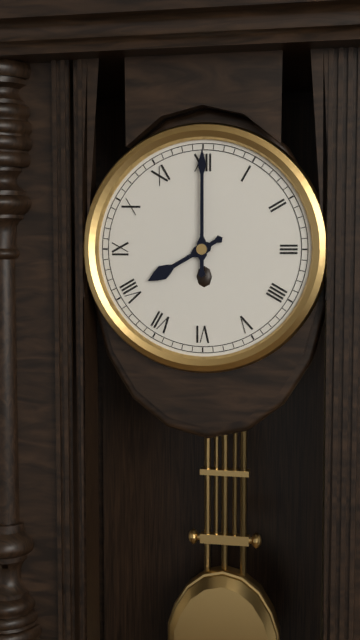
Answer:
8:00
